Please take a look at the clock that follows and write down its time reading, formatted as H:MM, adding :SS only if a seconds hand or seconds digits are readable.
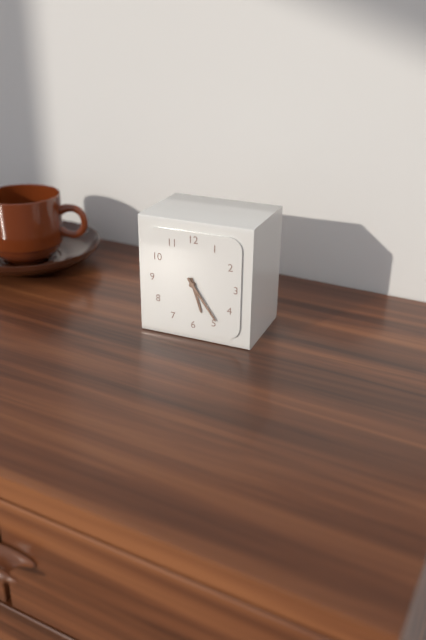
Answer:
5:24
